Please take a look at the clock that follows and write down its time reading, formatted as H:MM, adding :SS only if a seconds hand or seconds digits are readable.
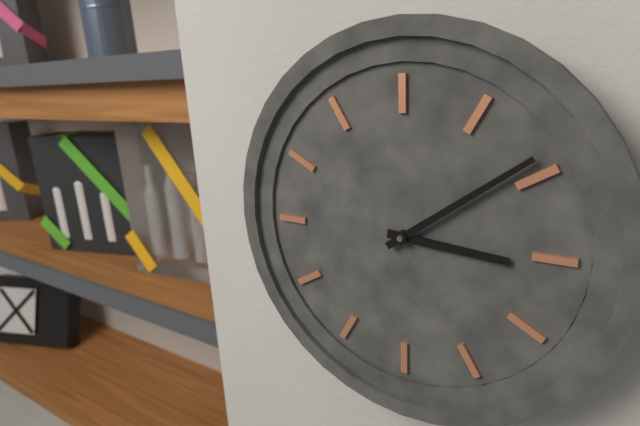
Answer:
3:09
